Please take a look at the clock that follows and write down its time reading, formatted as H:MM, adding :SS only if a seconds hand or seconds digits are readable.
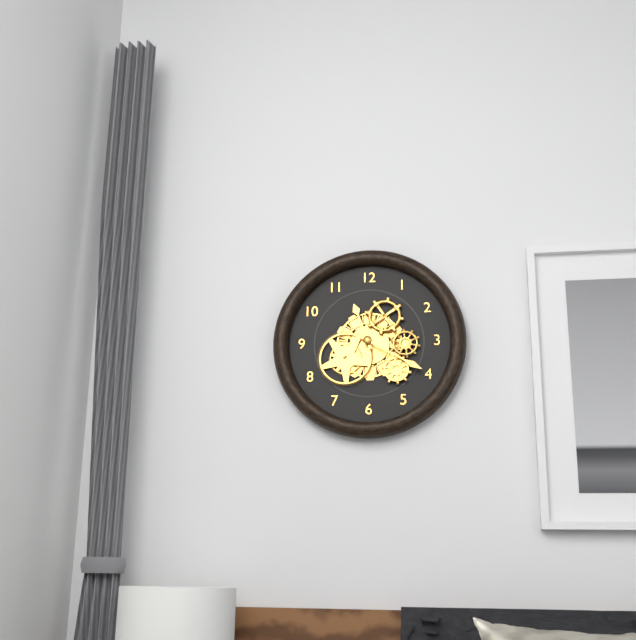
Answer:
11:20
